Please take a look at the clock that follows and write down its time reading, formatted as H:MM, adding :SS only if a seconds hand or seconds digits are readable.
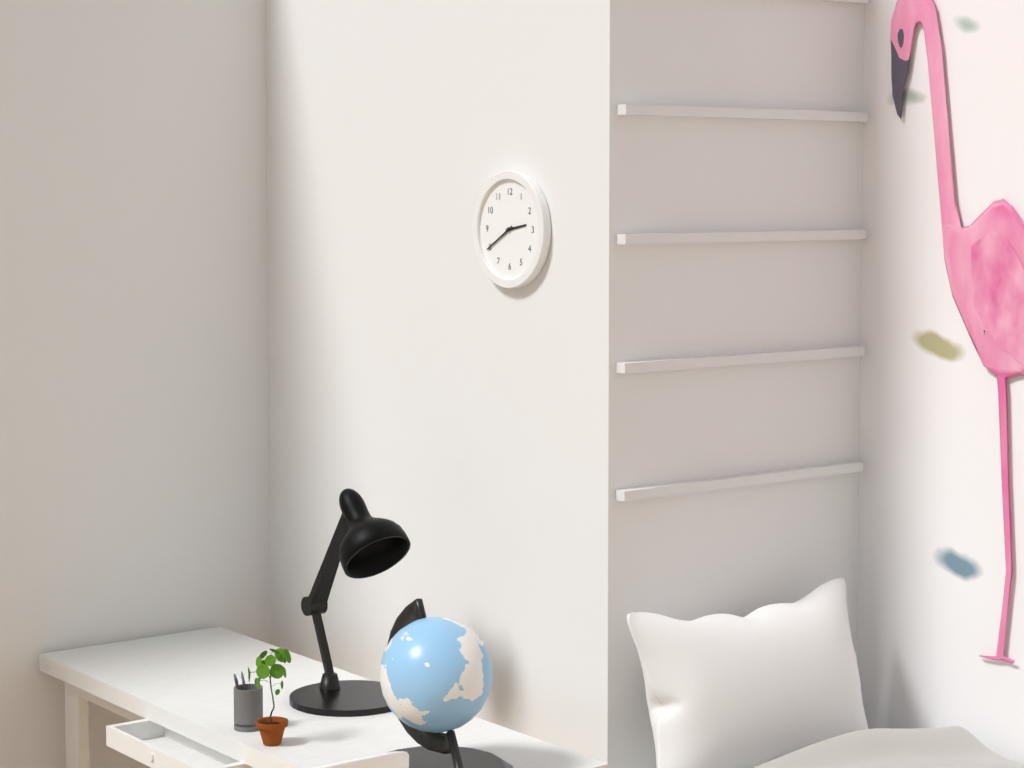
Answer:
2:40
